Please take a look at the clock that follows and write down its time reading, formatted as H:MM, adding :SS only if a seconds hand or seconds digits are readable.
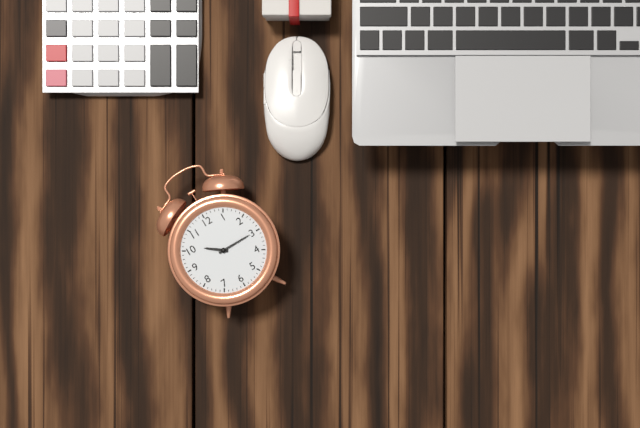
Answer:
10:15
